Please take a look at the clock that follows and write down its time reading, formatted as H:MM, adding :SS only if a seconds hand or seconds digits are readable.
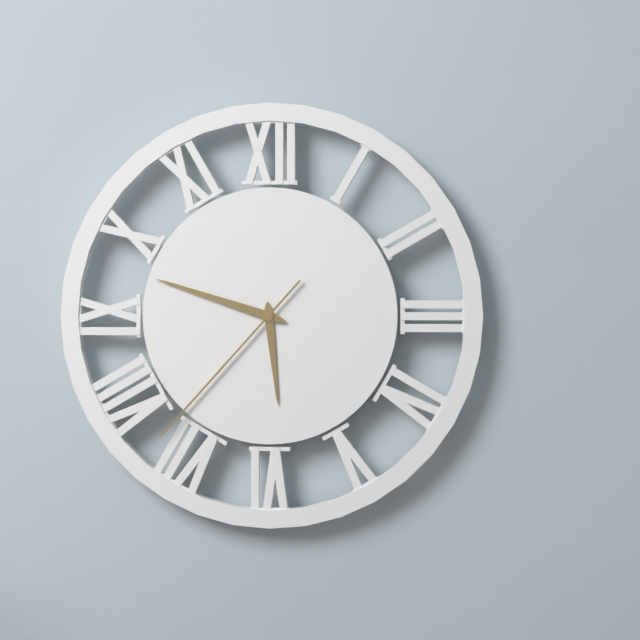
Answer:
5:48:37
